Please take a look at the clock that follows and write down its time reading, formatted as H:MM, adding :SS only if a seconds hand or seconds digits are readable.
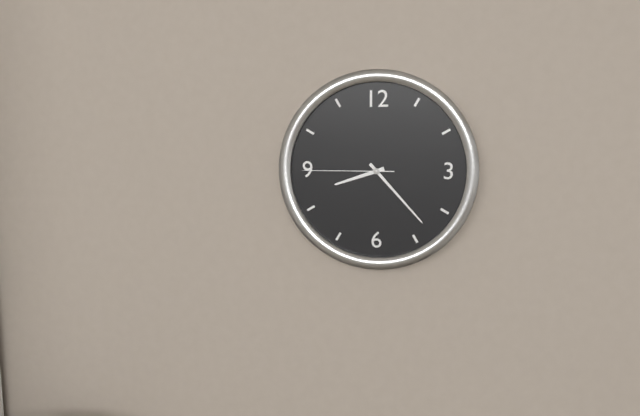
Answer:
8:23:45
